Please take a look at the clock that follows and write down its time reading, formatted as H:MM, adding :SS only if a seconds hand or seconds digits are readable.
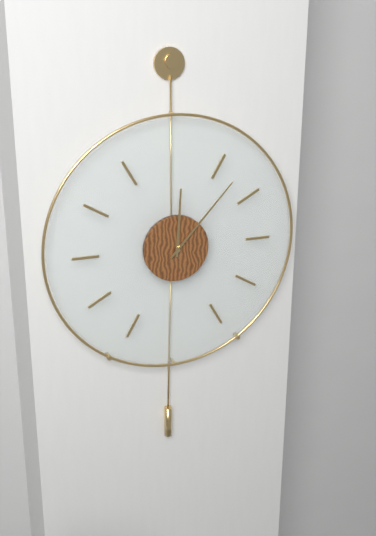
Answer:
12:07
